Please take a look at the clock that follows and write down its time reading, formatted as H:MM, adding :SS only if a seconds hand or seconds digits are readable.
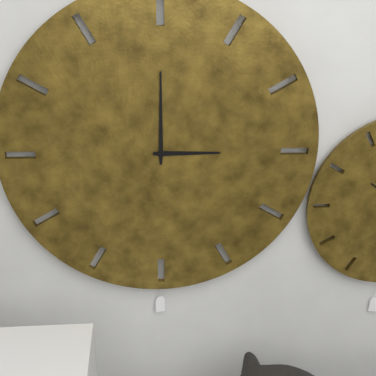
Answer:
3:00
